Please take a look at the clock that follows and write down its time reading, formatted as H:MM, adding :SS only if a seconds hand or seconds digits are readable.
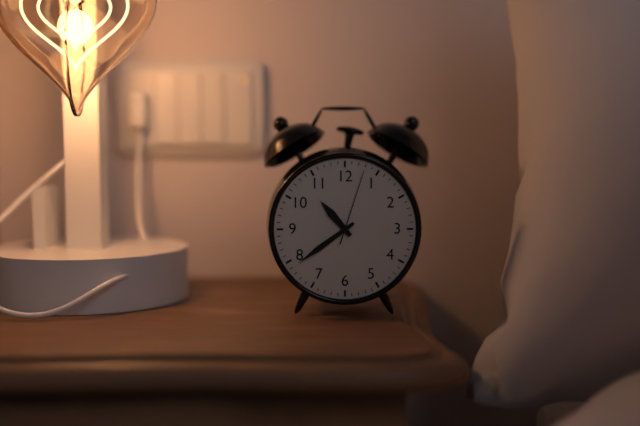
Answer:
10:39:03
